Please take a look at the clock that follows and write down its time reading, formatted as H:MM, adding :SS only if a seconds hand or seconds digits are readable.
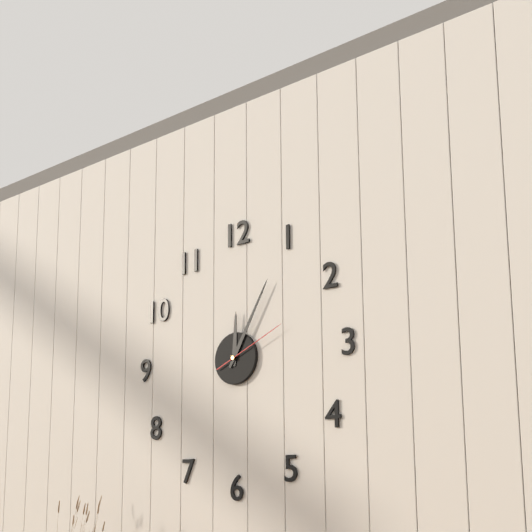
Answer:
12:05:11
